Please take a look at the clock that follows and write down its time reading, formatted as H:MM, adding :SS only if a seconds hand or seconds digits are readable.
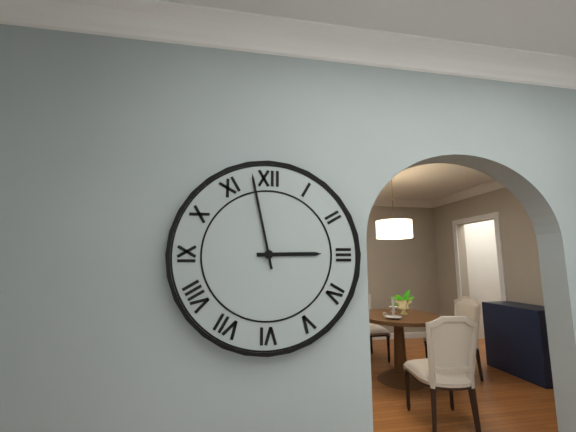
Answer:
2:58
